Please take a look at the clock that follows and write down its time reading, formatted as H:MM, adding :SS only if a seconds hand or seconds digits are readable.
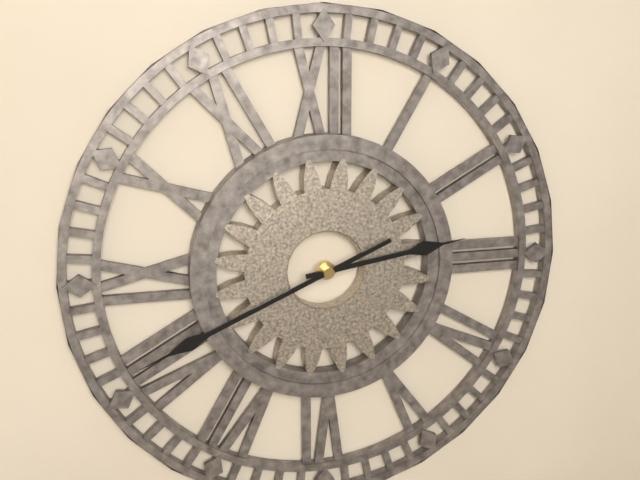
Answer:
2:41
